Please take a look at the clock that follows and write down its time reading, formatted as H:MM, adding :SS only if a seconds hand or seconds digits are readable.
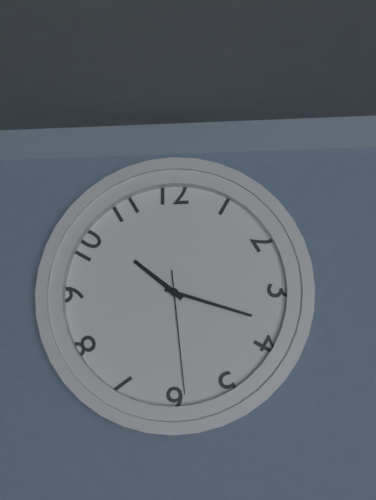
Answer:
10:18:29
